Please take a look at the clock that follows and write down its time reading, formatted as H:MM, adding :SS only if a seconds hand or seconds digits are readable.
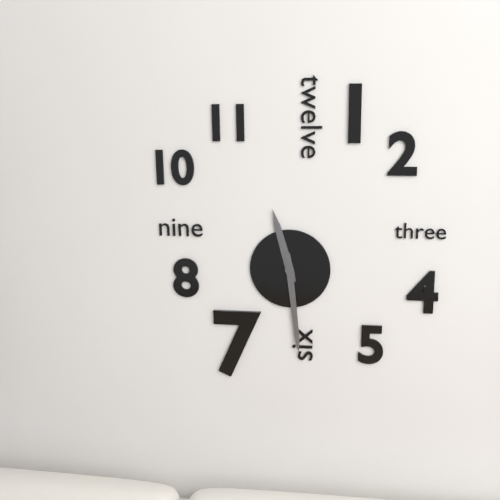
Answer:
11:29
